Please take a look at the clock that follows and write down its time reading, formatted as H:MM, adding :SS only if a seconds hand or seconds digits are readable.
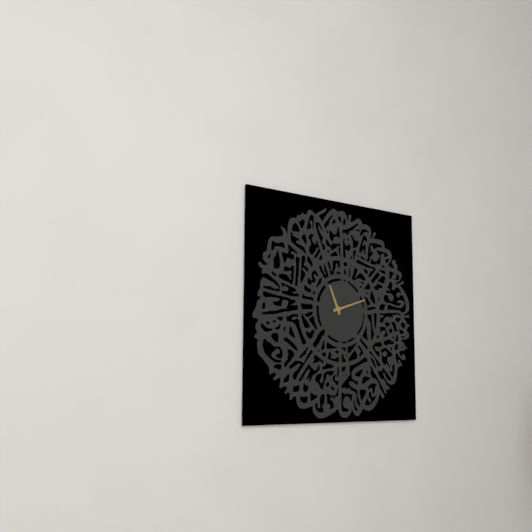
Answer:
11:12
